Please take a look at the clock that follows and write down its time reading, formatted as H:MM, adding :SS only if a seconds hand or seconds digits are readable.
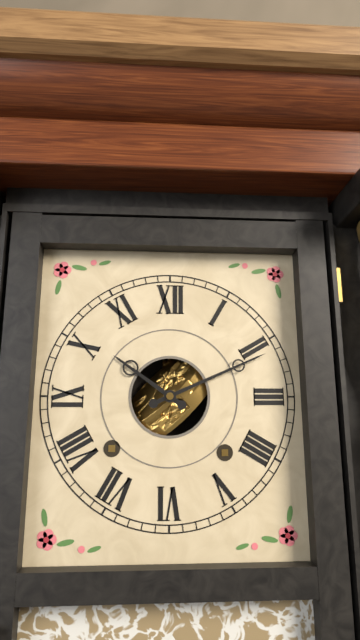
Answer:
10:11
